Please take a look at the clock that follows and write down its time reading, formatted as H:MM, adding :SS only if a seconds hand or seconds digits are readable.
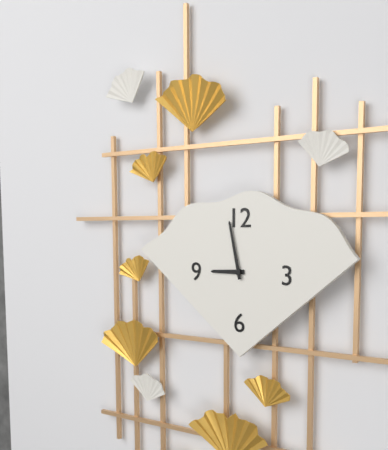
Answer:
8:58
